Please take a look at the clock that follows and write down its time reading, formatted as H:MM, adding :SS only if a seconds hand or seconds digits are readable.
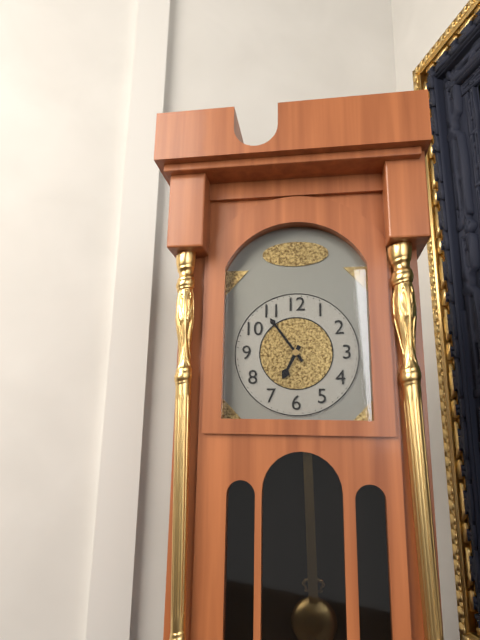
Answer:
6:54
